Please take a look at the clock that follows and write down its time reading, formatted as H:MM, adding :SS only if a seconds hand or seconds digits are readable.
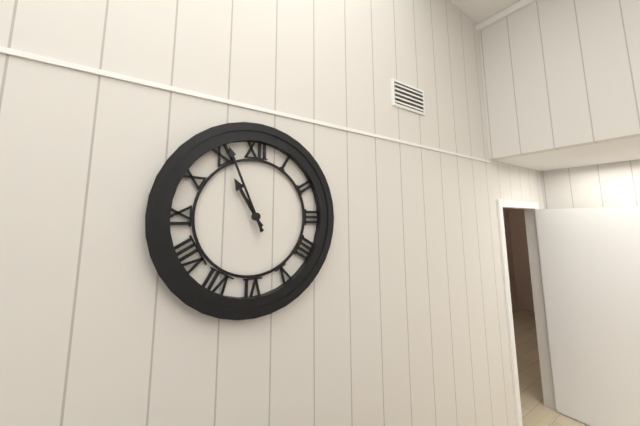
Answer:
10:56
